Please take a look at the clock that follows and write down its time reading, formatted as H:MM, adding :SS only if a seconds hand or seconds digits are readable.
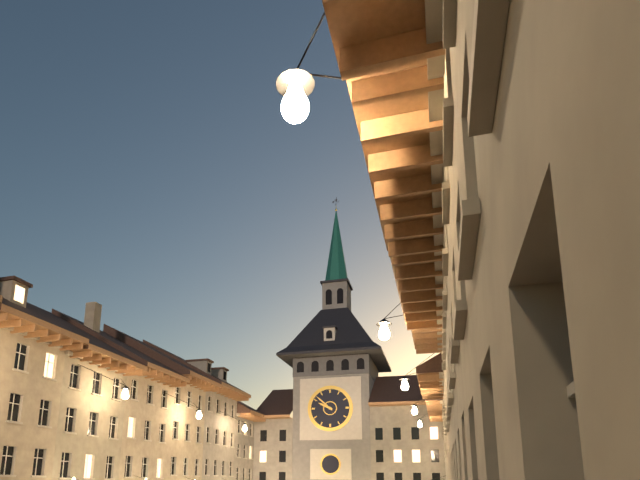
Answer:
9:52
